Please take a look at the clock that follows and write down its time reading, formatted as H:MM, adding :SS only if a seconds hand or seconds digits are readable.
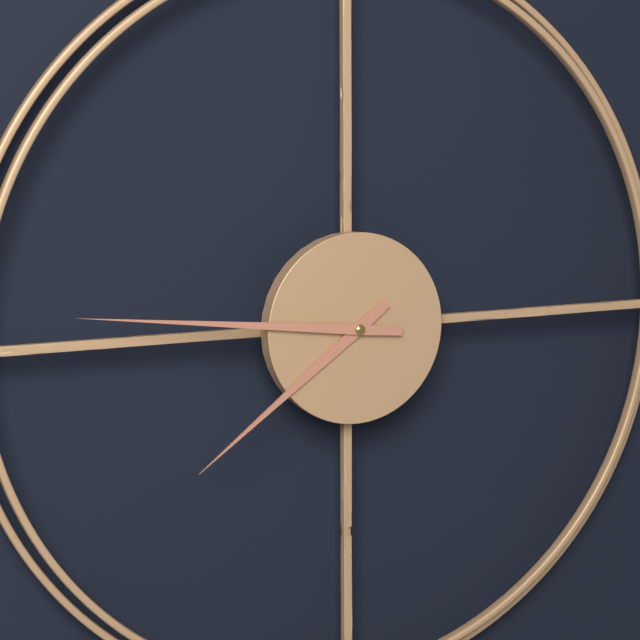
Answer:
7:46
